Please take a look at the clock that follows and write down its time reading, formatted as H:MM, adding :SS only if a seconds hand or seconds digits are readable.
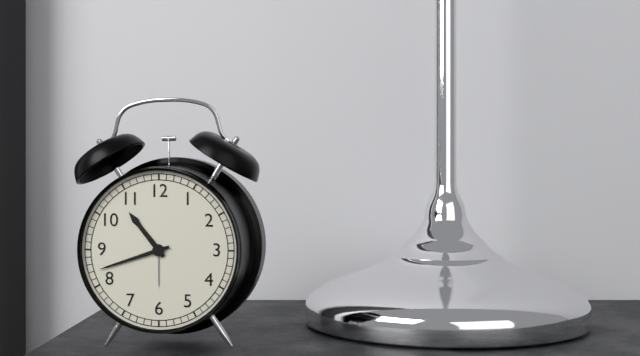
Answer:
10:42
